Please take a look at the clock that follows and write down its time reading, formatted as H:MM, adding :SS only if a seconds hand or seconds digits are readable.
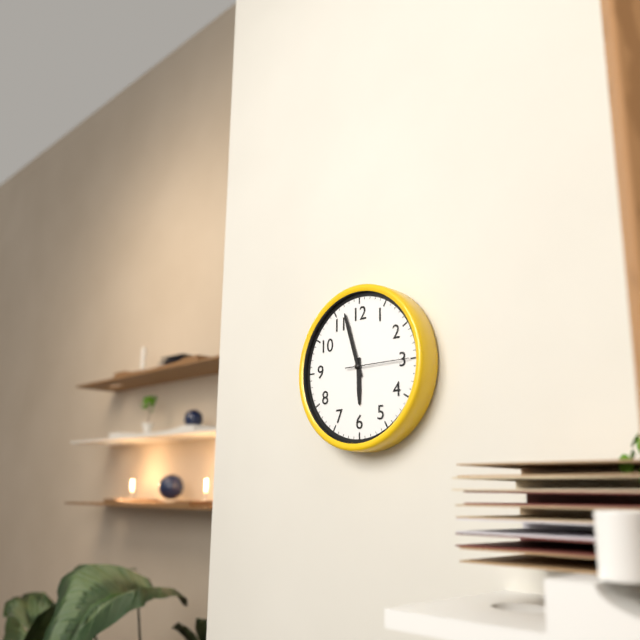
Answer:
5:57
